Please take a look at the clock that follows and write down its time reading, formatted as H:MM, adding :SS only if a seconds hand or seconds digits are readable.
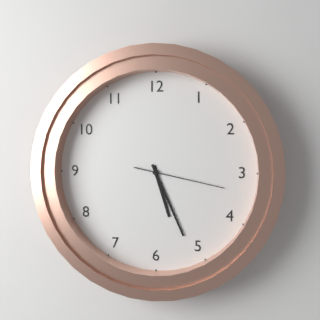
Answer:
5:26:17
